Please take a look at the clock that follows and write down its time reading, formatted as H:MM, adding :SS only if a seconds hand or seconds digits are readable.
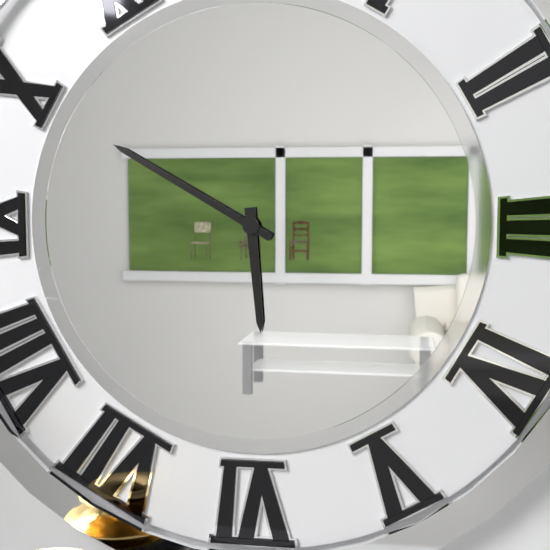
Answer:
5:50
